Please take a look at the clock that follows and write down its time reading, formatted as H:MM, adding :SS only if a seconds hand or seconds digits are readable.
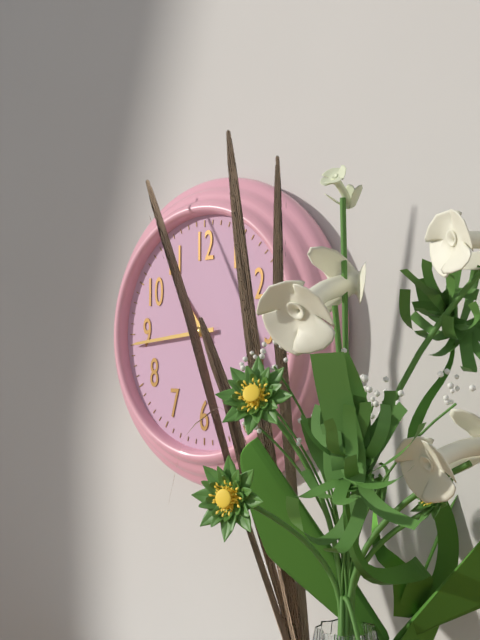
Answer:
10:44
